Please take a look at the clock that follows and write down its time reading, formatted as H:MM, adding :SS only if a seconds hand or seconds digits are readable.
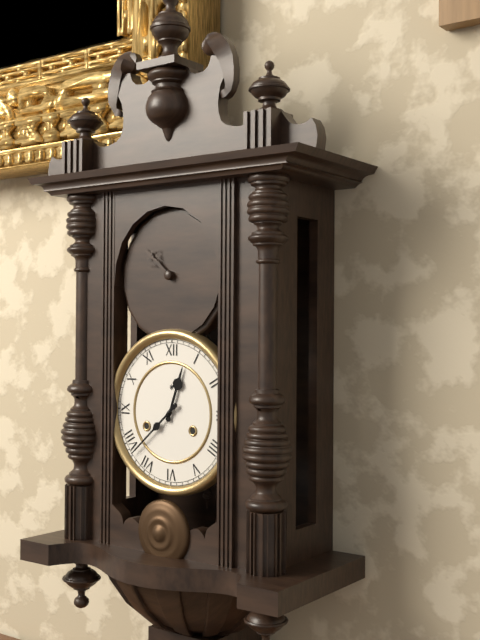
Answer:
12:38
